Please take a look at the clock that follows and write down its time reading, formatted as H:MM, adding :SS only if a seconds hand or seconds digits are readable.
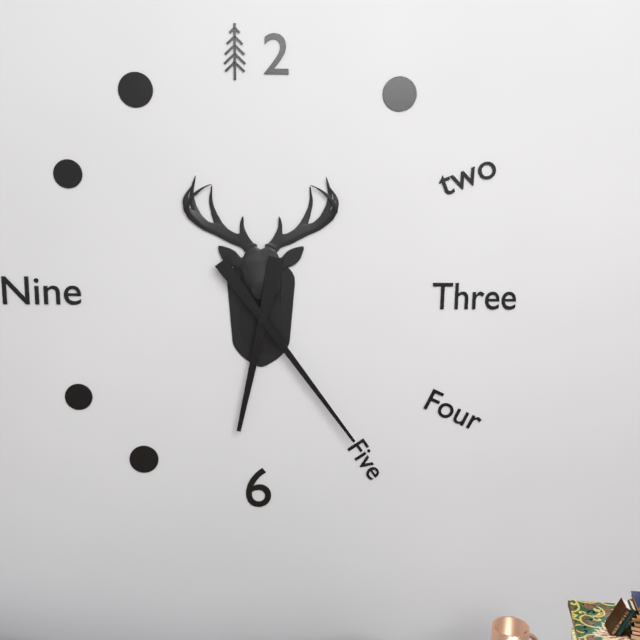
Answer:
6:24
